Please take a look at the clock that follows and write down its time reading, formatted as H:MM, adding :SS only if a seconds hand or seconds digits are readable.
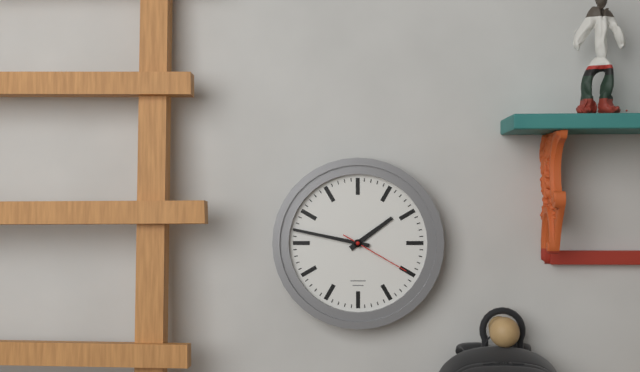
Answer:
1:47:20
